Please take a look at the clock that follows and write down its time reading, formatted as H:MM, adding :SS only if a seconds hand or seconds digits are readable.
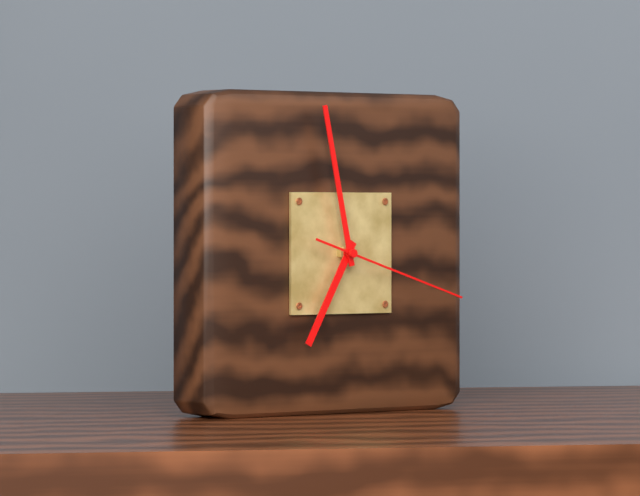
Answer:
6:58:18
